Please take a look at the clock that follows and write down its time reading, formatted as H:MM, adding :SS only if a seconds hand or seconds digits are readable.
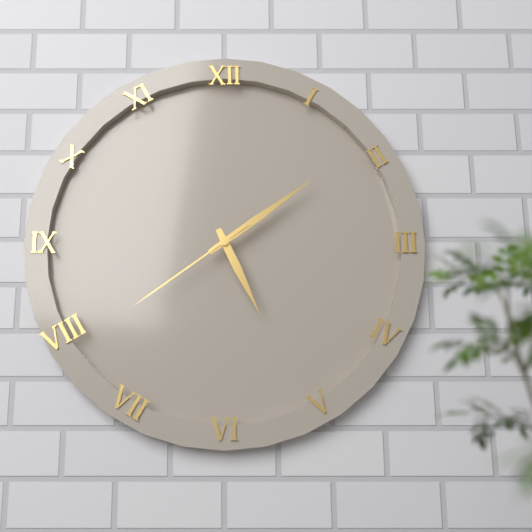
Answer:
5:09:39
